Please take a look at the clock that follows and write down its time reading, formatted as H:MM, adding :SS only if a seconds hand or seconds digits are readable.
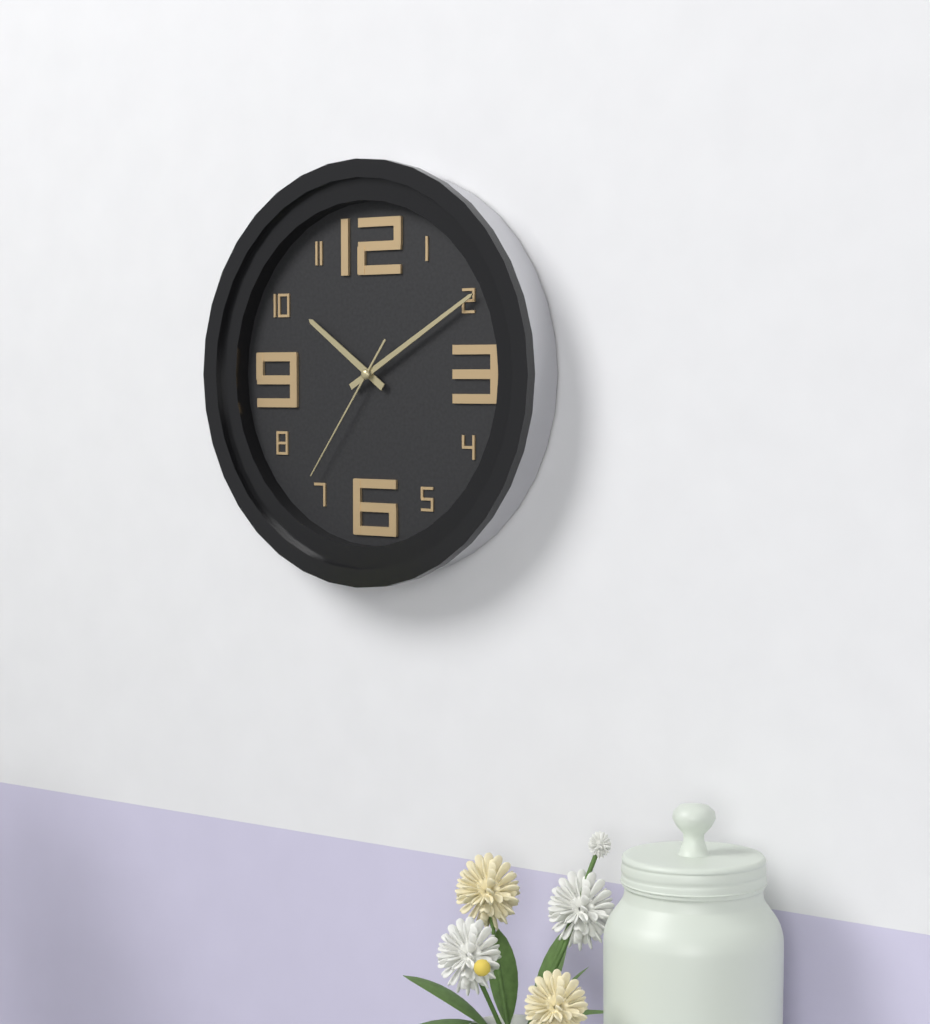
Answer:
10:10:36
